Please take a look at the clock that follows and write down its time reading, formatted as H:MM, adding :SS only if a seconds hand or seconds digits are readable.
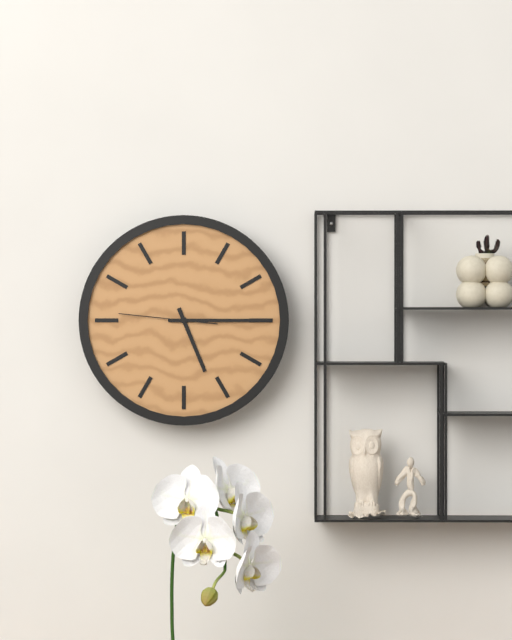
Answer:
5:15:46
